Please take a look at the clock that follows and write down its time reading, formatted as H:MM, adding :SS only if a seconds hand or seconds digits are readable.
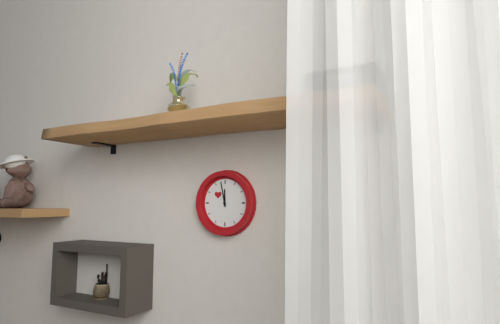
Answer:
11:58
